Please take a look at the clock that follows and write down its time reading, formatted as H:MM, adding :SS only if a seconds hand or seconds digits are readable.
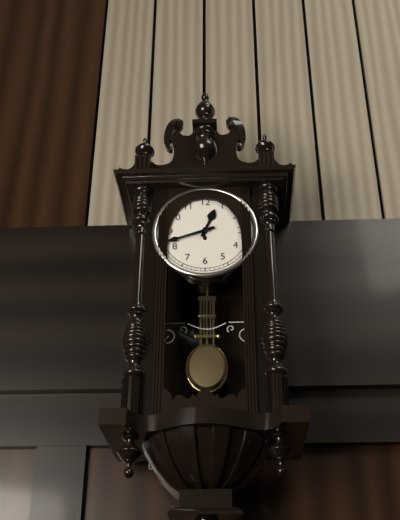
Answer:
12:42
